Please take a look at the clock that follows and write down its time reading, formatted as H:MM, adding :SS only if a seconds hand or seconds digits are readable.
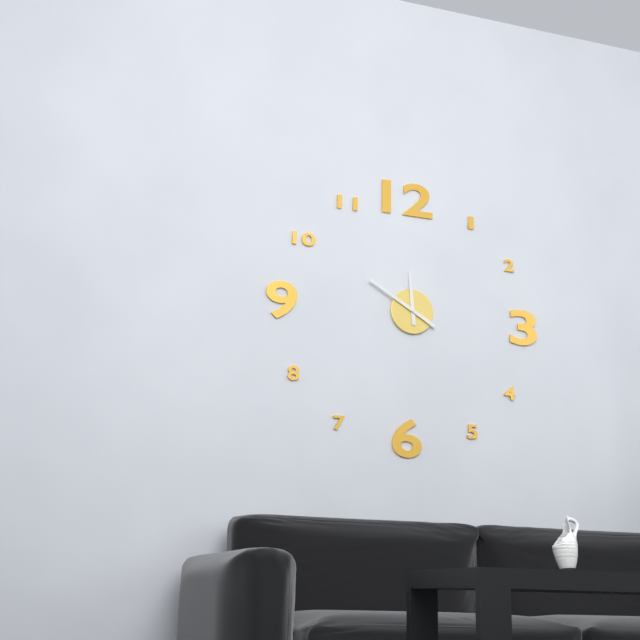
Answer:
11:50
